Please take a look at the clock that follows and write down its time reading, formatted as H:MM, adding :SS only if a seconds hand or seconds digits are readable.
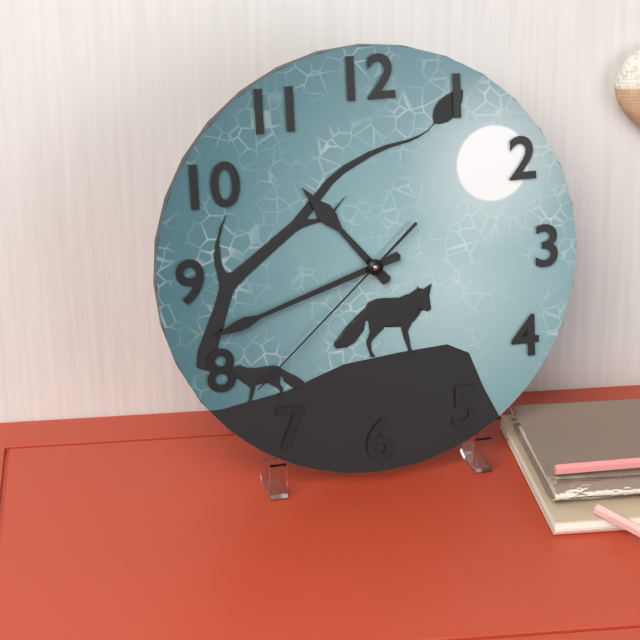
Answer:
10:42:38
